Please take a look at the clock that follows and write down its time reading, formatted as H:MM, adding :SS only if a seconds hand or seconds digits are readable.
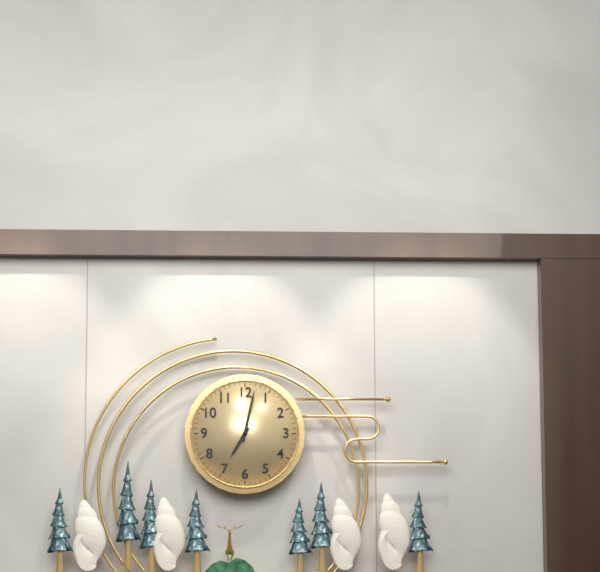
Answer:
7:02
